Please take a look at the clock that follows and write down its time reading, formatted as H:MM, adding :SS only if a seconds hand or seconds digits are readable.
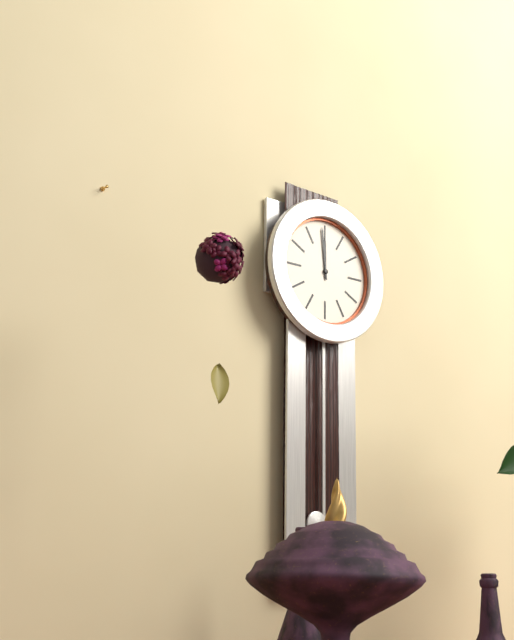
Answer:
11:59
